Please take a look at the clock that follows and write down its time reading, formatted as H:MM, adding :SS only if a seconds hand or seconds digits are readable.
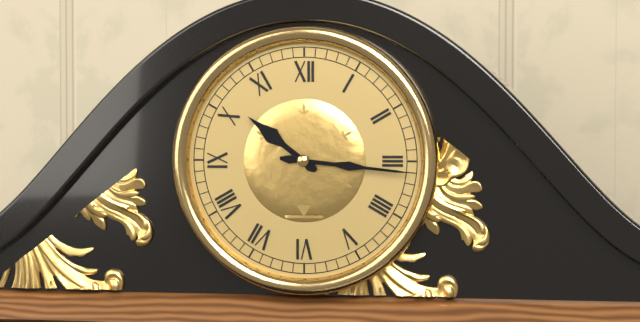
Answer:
10:16
